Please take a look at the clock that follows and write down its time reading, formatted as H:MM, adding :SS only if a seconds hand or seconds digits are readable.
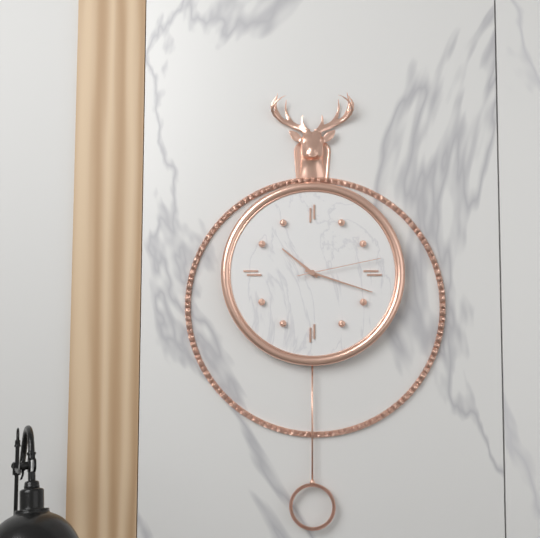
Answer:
10:18:13
